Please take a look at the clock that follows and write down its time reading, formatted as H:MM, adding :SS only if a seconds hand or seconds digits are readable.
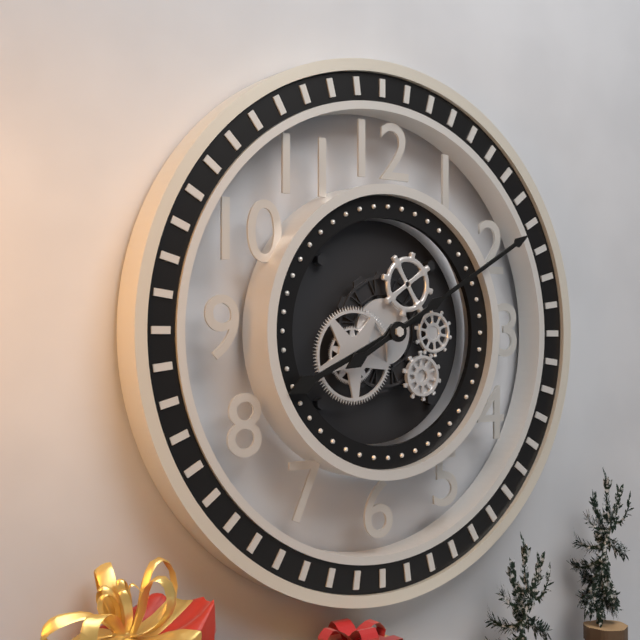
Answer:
8:10
